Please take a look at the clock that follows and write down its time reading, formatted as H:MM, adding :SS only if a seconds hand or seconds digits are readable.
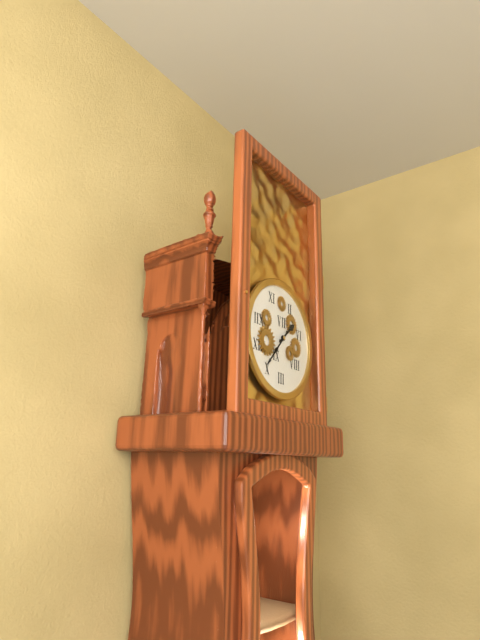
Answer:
1:37
